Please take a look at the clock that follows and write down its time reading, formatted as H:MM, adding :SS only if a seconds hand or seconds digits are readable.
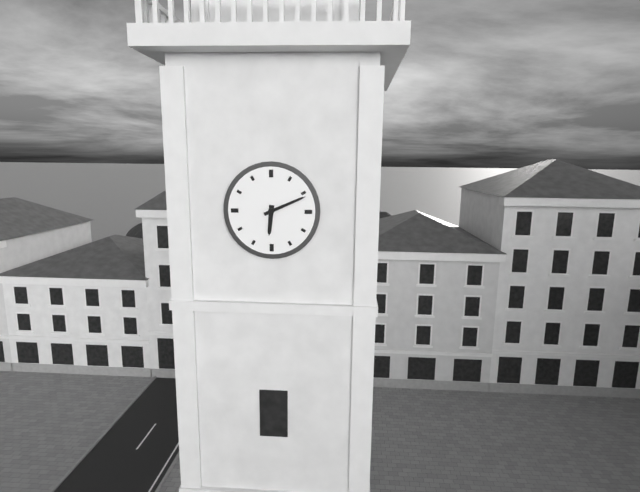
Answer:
6:11
